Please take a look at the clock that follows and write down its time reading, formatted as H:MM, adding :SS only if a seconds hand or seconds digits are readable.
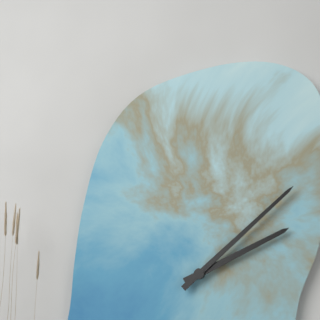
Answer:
2:08
